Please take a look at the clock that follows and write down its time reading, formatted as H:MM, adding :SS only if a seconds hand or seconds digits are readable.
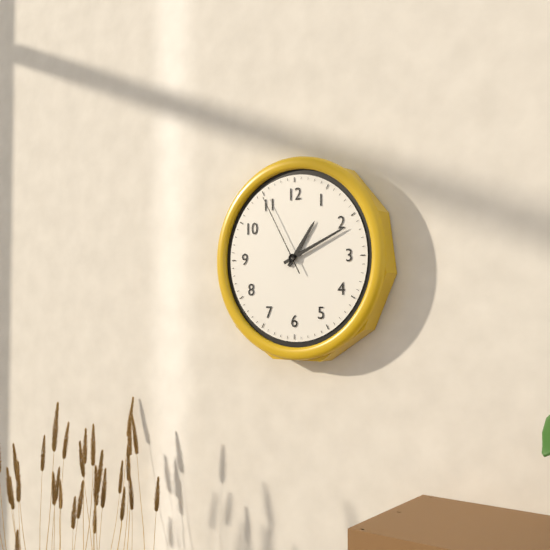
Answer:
1:11:55
